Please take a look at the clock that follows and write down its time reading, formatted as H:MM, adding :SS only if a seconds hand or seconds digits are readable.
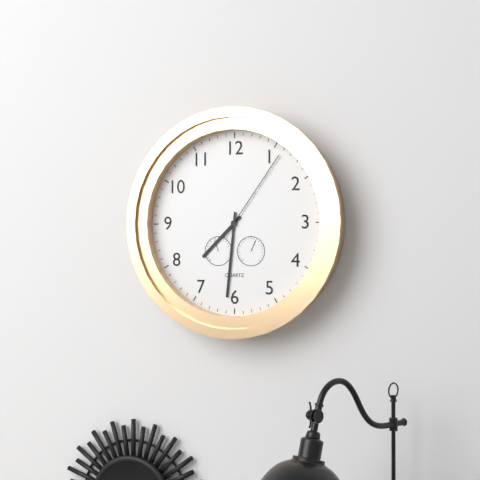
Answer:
7:31:06
